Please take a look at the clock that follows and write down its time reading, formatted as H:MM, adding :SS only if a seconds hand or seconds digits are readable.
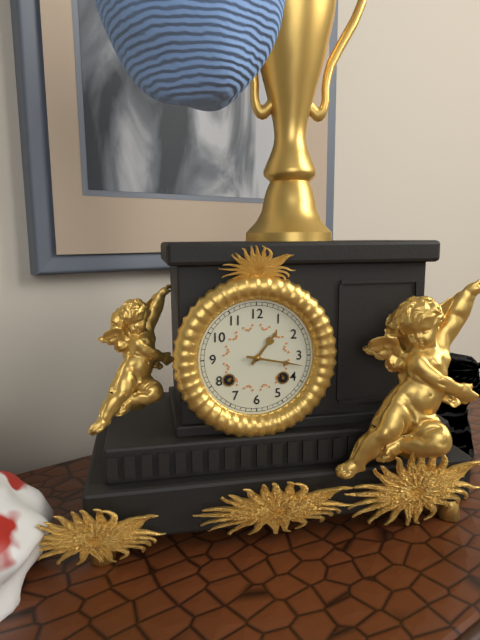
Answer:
1:17
